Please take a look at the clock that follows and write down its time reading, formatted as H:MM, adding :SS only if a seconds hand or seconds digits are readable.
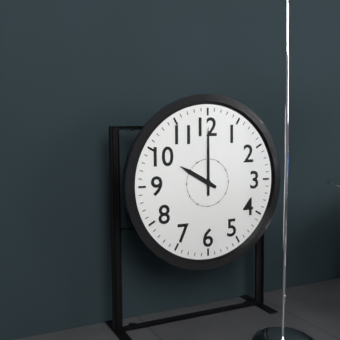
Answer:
10:00
